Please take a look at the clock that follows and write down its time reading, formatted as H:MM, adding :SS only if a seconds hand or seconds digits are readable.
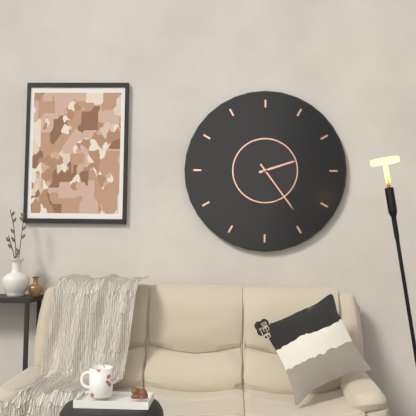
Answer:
2:24
